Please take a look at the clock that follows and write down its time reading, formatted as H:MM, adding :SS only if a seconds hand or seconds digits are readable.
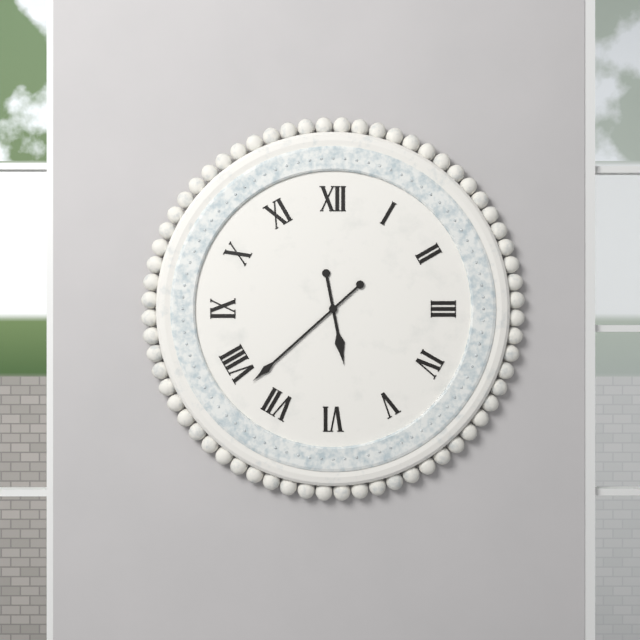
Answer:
5:38
